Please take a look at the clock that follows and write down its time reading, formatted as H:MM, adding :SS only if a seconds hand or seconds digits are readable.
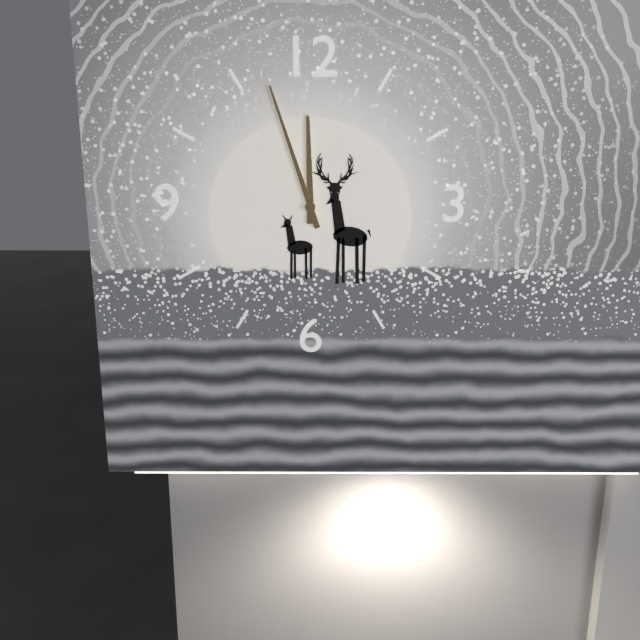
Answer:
11:57
